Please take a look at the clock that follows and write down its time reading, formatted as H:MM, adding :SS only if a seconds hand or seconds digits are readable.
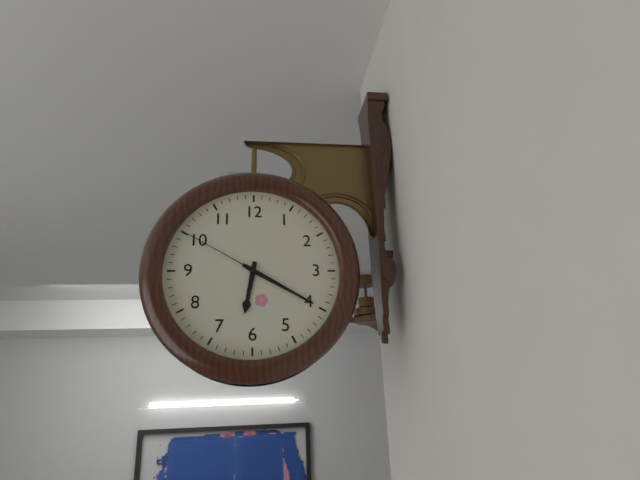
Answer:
6:20:50
